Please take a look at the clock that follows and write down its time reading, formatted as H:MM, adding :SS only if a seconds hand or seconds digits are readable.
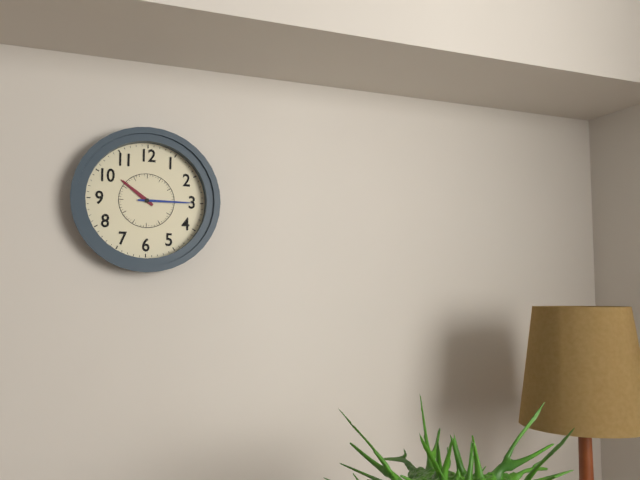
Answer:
10:15
